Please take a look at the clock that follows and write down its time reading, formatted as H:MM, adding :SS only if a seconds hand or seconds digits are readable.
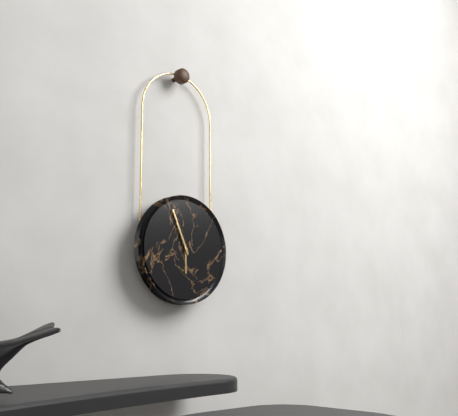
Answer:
5:56
